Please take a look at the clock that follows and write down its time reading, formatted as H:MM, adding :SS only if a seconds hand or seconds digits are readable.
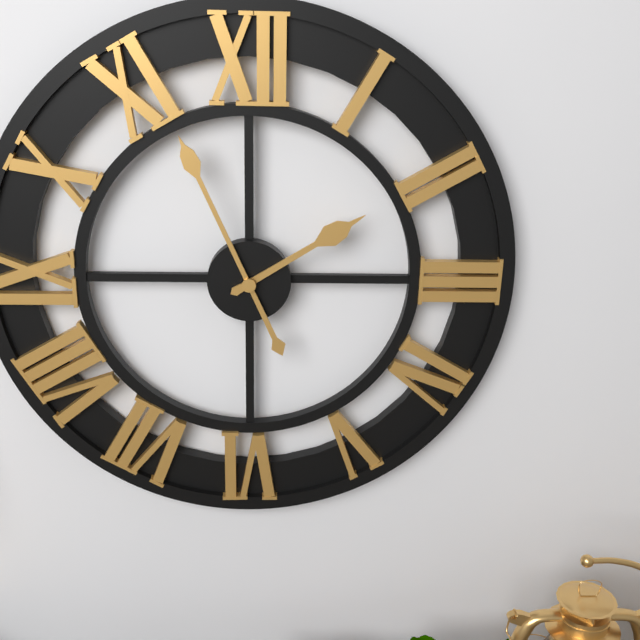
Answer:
1:56
